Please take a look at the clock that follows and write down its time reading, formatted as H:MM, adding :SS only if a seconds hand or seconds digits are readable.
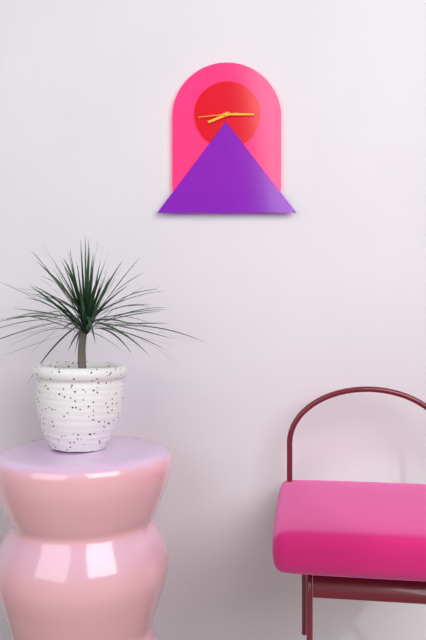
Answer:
8:15
